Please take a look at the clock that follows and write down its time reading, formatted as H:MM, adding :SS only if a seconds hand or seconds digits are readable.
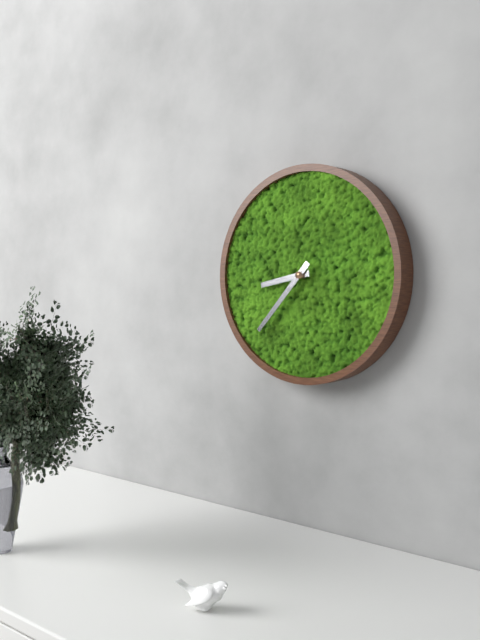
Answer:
8:37
